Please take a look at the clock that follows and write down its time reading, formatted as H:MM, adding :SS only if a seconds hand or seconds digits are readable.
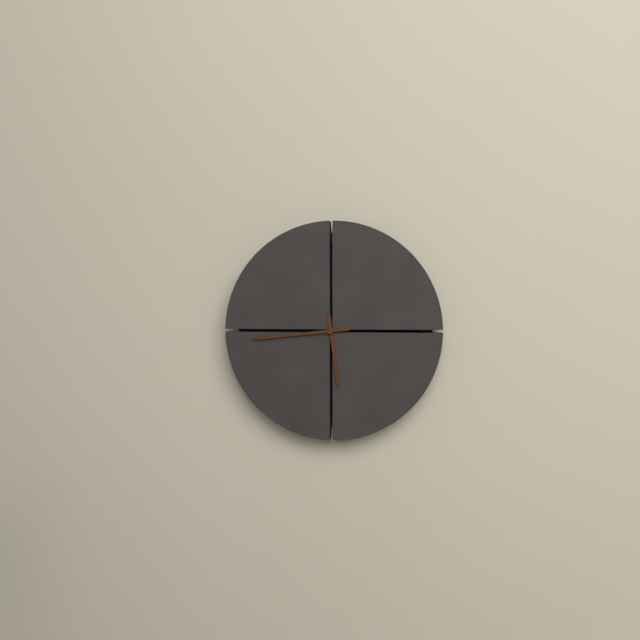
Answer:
5:44
